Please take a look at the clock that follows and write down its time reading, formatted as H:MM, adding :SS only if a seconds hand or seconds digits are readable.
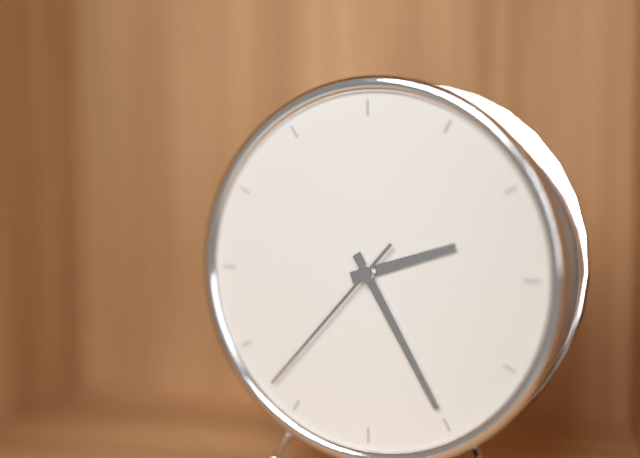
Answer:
2:25:37
